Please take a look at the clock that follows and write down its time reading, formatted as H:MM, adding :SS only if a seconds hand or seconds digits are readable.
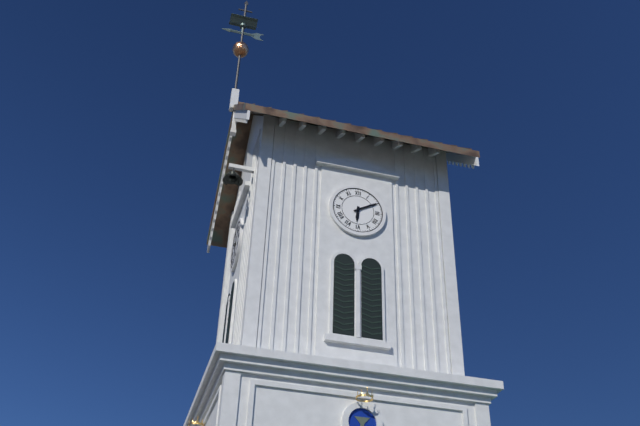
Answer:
6:10
